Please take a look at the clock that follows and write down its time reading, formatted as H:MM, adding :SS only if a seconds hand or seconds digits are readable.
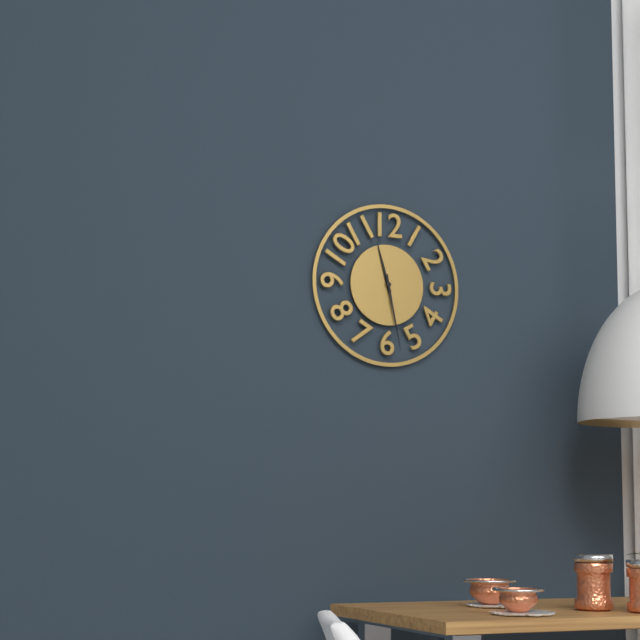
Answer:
11:28
